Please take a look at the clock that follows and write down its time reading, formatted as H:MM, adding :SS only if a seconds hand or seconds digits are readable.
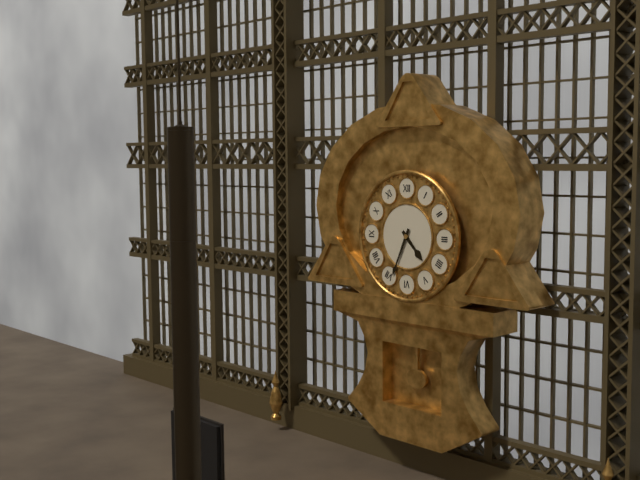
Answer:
4:34
